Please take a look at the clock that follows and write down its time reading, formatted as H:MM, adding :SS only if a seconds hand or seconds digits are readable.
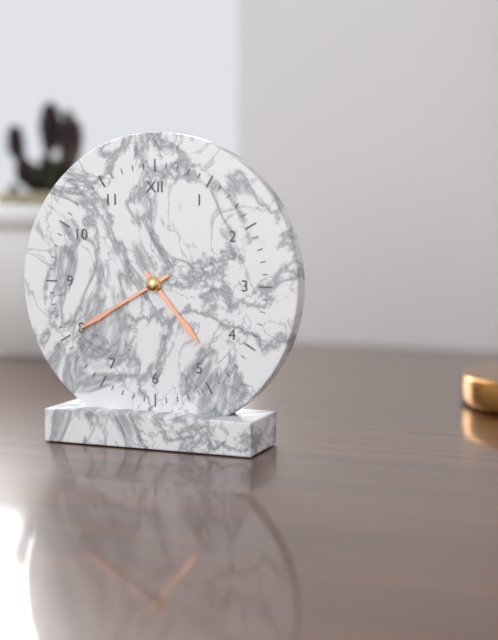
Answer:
4:40
